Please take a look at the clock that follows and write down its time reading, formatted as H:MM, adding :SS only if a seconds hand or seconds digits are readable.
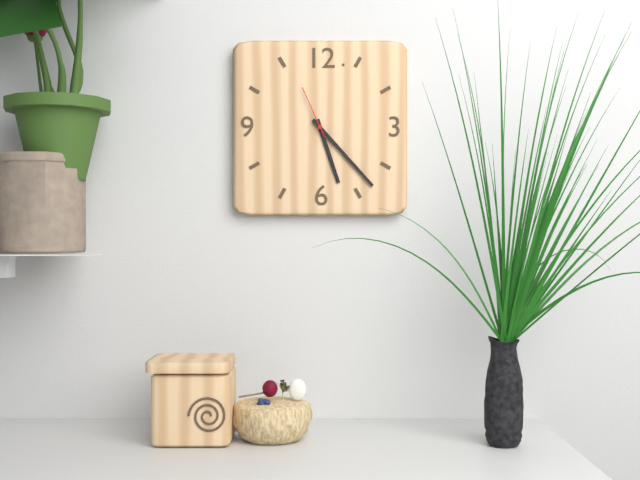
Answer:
5:23:56
